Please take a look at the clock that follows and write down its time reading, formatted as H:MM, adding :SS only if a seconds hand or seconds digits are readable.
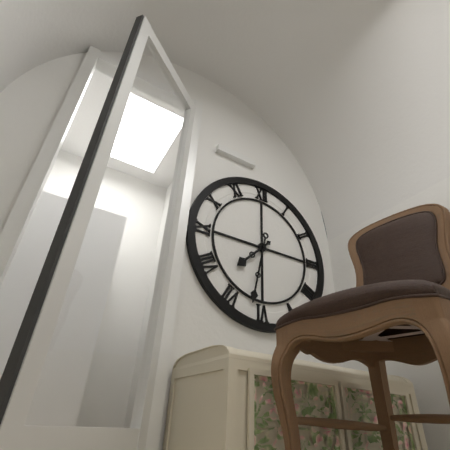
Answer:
7:32
